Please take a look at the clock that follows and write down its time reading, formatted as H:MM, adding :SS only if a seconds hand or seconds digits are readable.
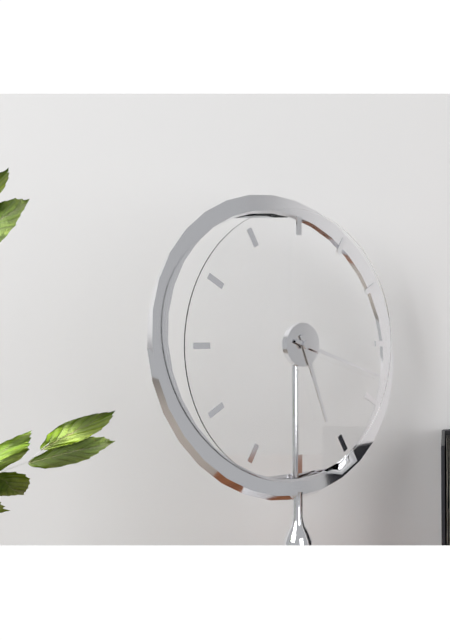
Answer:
5:18
